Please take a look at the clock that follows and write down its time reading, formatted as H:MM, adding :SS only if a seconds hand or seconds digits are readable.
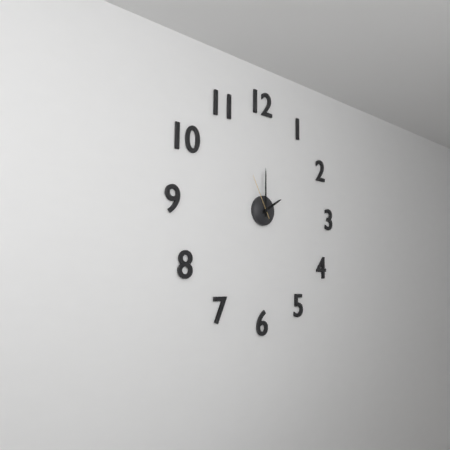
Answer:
2:00
